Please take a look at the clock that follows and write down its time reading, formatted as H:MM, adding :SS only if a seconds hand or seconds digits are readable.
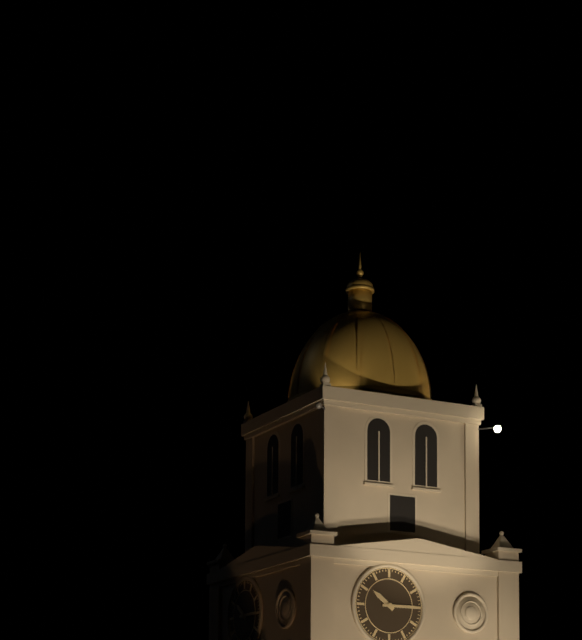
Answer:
10:15
